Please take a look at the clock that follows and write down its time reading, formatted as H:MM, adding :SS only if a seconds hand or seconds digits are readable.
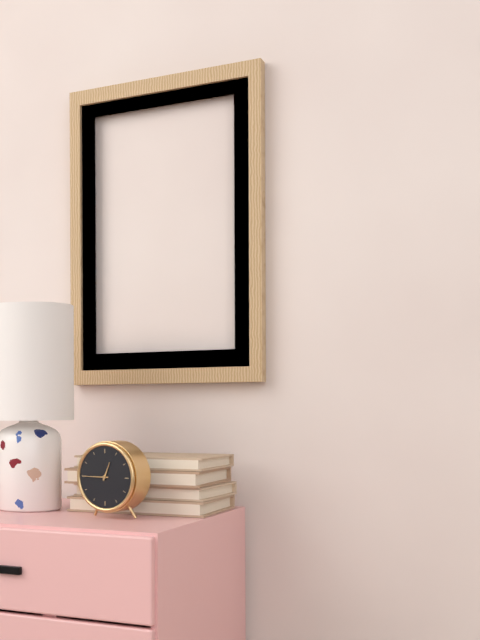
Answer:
12:45
